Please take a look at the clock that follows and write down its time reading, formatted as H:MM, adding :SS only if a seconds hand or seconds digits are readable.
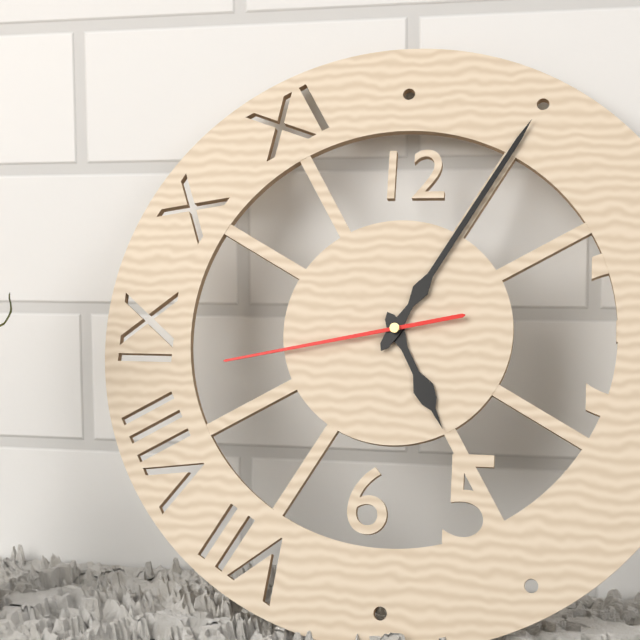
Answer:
5:05:43
